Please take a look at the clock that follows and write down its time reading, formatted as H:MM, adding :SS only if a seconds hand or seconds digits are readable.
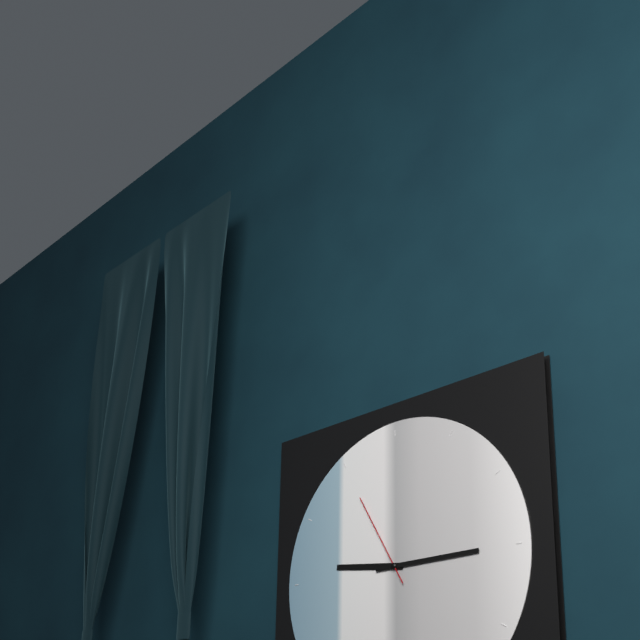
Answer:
9:15:55
